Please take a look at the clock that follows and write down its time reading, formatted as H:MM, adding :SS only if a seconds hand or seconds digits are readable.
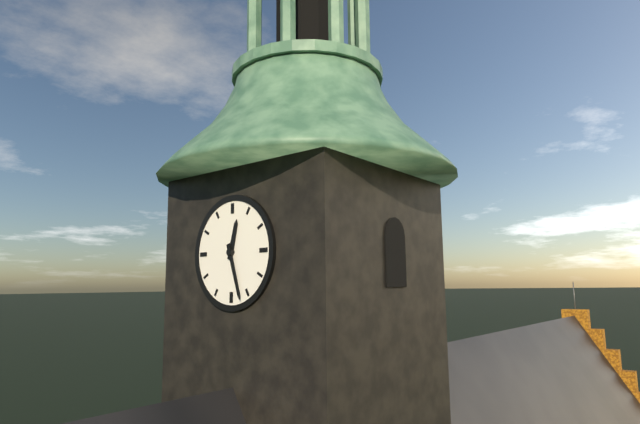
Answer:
12:27
